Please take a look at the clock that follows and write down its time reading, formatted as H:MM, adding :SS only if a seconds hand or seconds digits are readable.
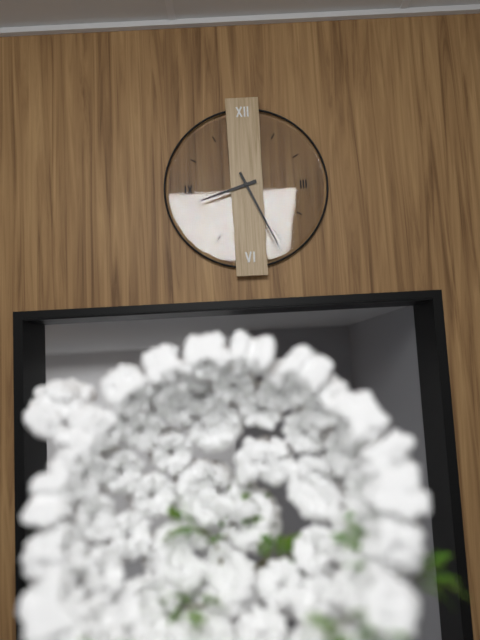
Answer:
8:26
